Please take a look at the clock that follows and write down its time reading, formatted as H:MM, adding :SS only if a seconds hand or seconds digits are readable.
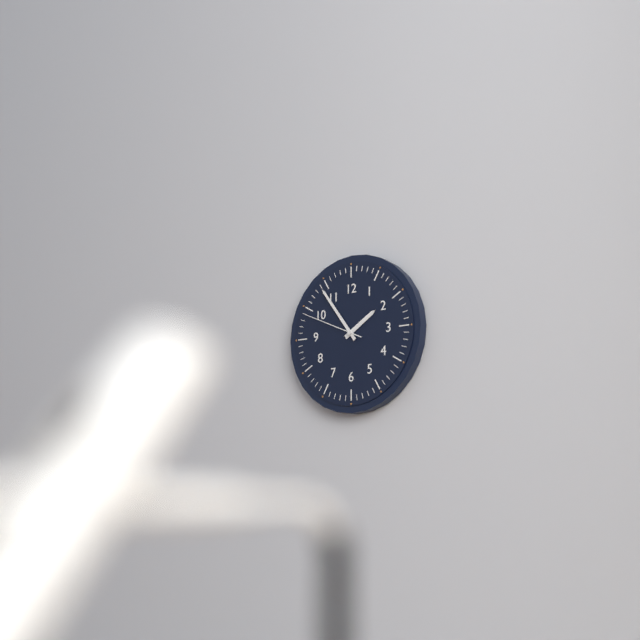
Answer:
1:54:49
